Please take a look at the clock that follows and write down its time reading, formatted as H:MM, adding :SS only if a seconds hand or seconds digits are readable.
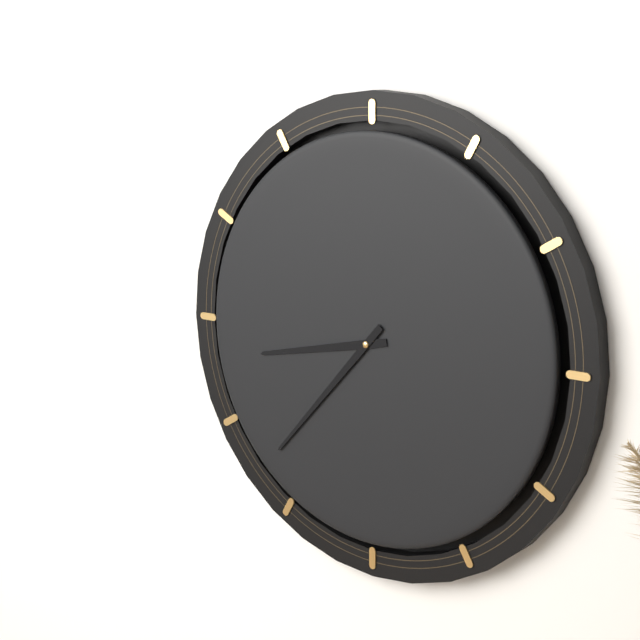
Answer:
8:37
